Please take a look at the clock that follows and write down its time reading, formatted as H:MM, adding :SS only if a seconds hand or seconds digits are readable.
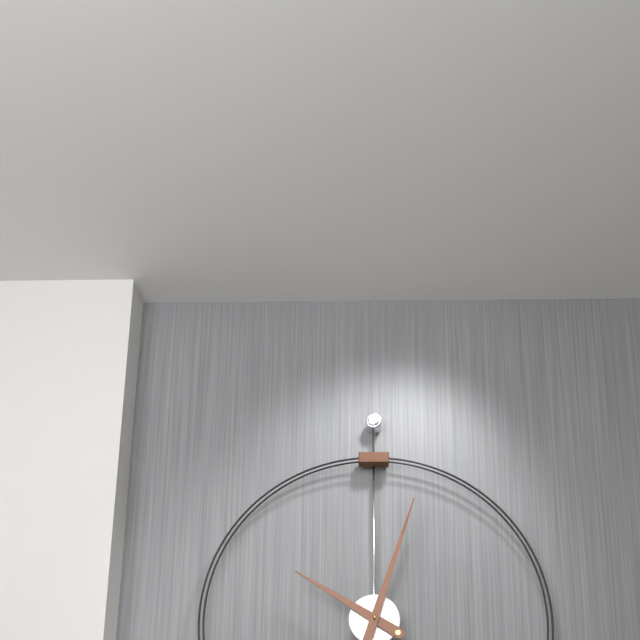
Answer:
10:03
